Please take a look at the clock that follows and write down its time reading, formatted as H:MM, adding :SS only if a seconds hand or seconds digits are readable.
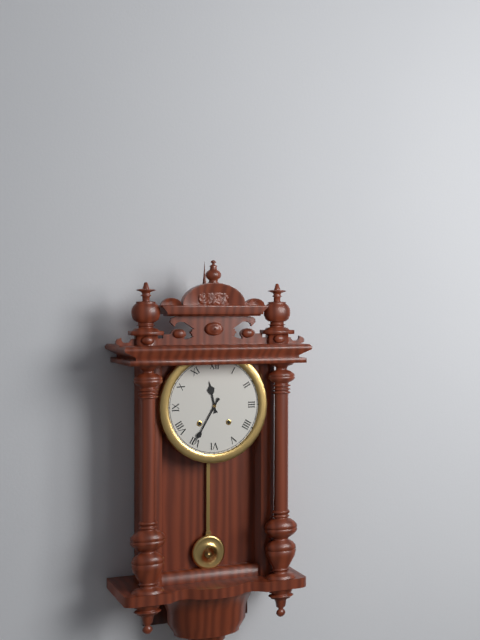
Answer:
11:35
